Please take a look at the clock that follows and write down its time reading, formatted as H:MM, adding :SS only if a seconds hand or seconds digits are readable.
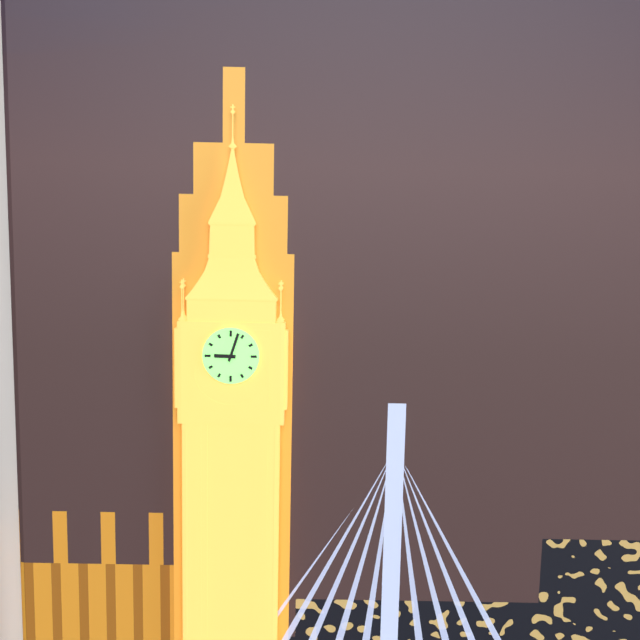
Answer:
9:03
